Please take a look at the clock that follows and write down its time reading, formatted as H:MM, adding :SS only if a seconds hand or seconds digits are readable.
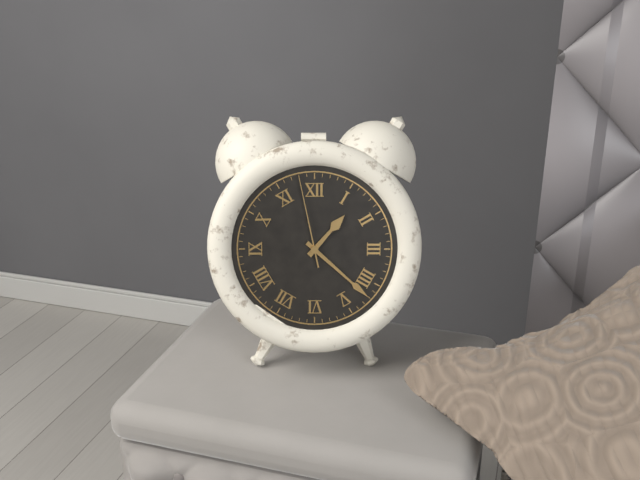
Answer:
1:22:58
